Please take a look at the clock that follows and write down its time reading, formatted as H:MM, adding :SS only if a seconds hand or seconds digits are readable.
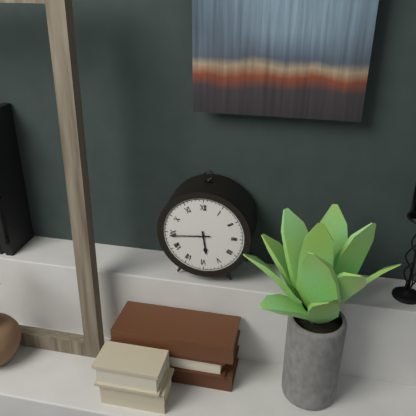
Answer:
5:44
